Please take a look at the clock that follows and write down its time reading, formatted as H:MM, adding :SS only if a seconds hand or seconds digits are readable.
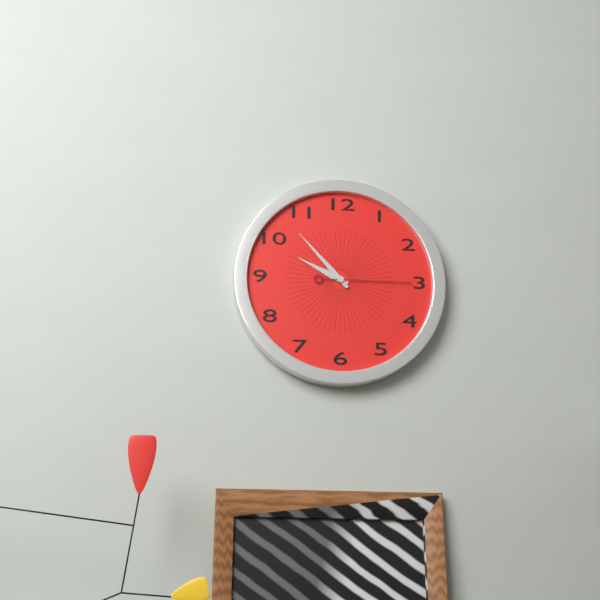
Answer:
9:53:15
